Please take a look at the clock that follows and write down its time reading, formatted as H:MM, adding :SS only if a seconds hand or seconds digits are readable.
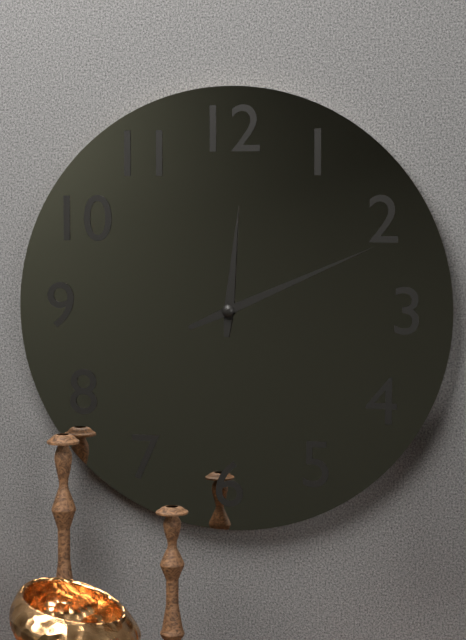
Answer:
12:11
